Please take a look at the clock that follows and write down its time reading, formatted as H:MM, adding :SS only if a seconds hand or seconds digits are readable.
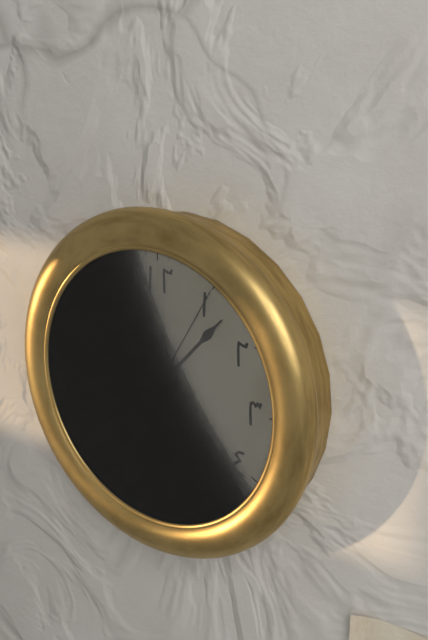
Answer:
8:07:05
